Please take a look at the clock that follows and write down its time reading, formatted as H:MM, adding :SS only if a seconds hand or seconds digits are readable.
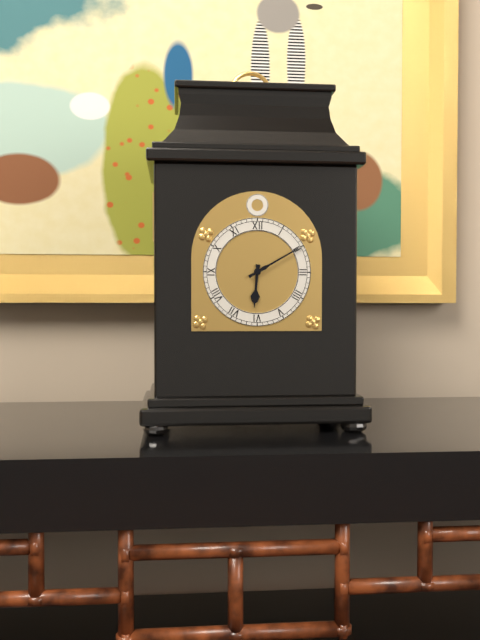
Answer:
6:10
